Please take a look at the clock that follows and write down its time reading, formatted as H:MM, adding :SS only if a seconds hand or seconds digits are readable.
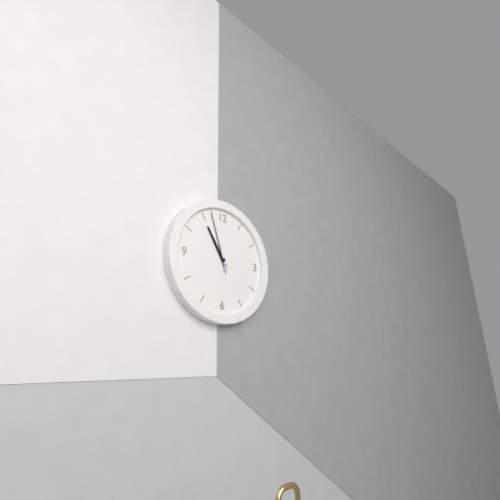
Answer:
10:57:57
